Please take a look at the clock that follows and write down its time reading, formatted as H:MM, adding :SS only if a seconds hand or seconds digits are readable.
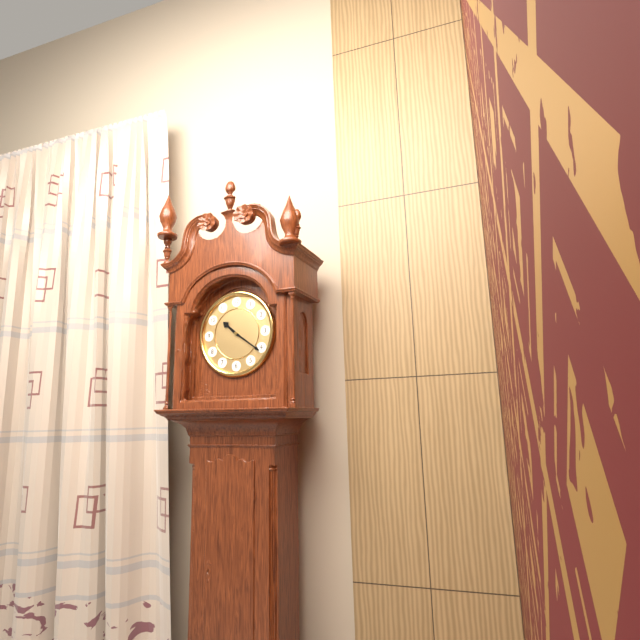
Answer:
10:21
